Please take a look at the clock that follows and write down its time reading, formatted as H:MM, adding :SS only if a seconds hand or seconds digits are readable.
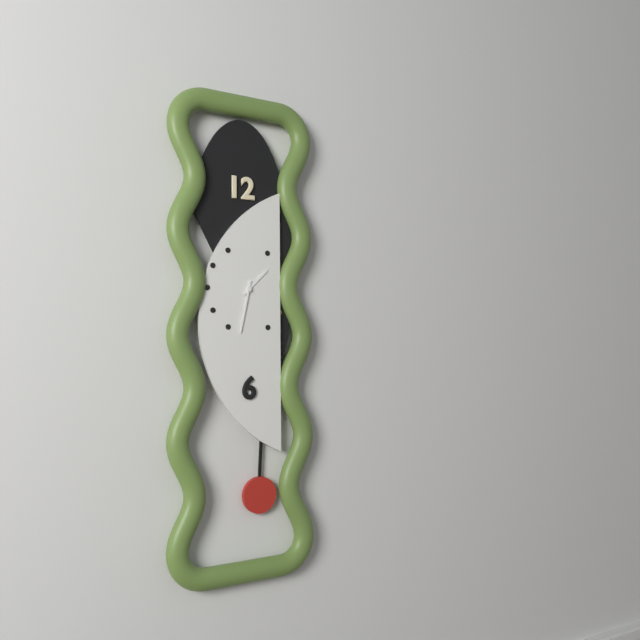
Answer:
1:32
